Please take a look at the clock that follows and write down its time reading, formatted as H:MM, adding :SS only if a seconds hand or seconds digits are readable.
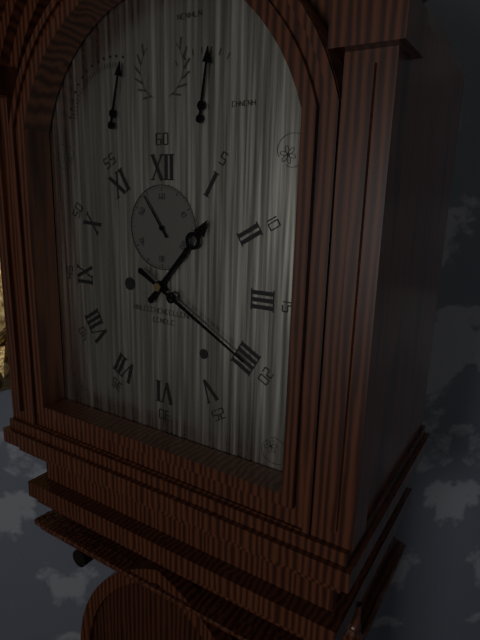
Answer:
1:20
